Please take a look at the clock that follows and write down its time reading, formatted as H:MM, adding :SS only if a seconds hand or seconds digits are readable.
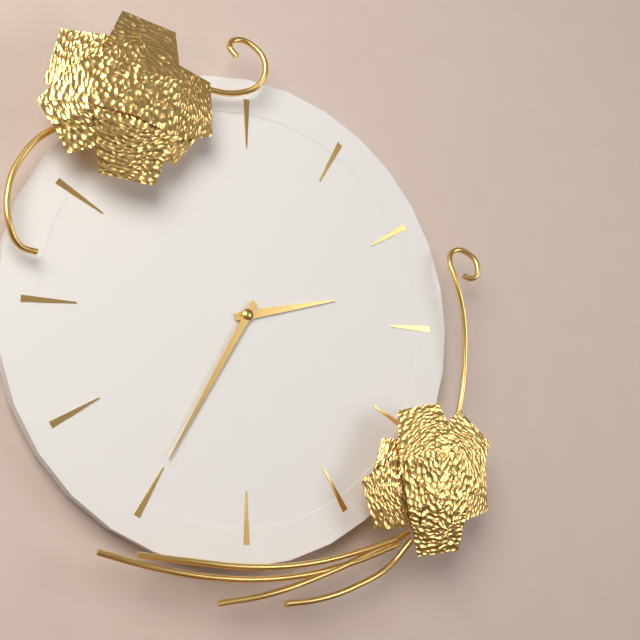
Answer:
2:35
